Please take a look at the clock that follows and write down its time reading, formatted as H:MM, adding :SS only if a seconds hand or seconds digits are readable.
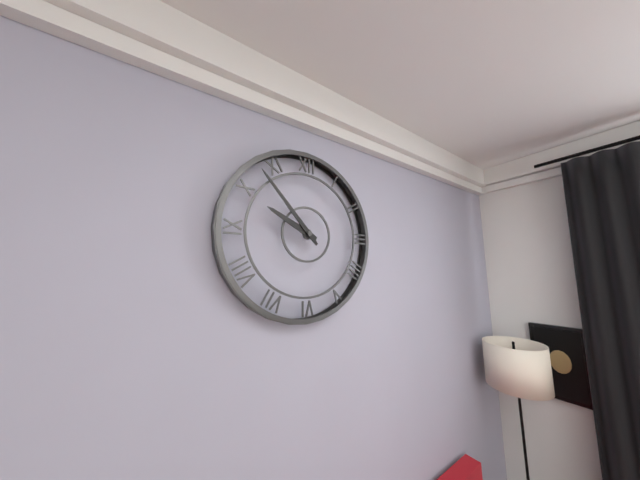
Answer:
9:53
